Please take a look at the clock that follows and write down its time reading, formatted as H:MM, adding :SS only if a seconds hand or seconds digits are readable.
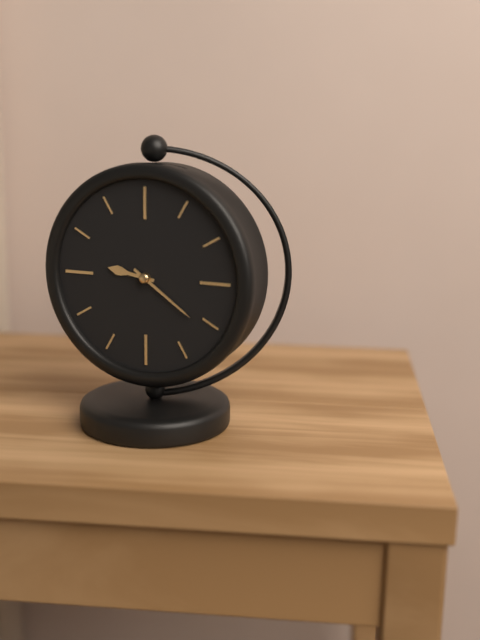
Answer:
9:21
